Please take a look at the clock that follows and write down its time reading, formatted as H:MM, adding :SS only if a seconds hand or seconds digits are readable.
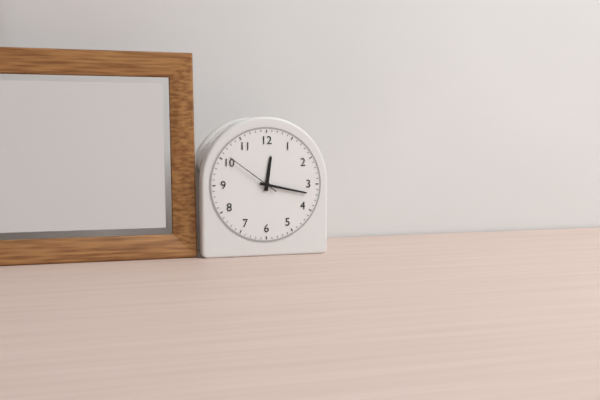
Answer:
12:17:51
